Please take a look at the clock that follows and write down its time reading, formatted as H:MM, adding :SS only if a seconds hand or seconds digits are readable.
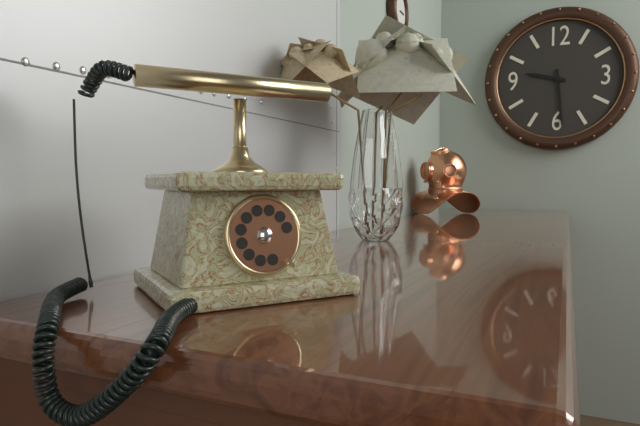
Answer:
9:29
